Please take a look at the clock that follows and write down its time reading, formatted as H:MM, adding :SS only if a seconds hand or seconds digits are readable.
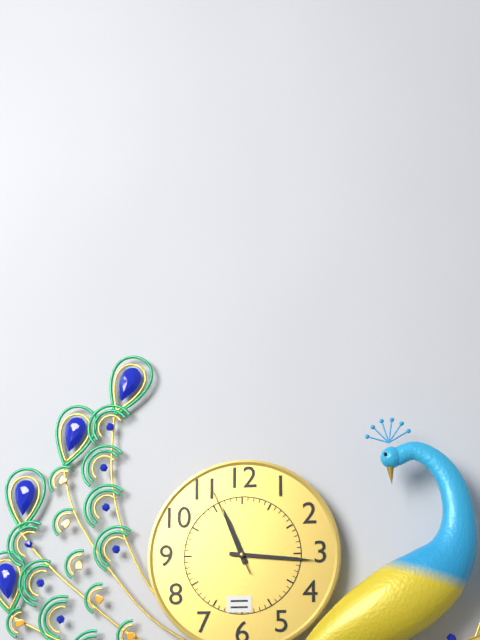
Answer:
11:16:56
